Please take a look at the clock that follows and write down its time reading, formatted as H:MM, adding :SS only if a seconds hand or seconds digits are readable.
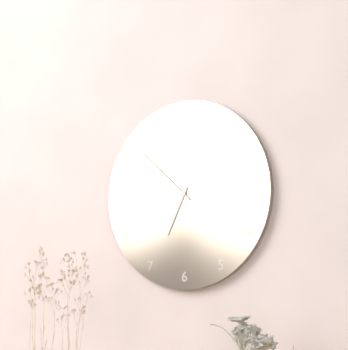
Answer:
6:52
